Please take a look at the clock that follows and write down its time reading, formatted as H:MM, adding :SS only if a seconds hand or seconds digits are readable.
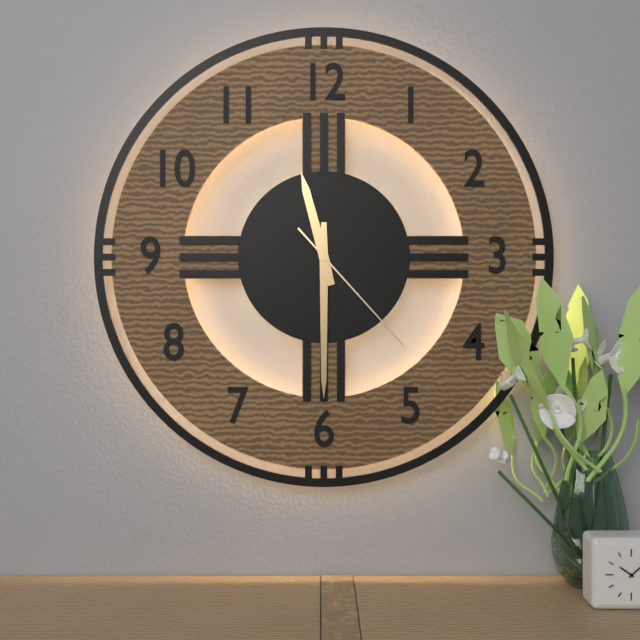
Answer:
11:30:23
